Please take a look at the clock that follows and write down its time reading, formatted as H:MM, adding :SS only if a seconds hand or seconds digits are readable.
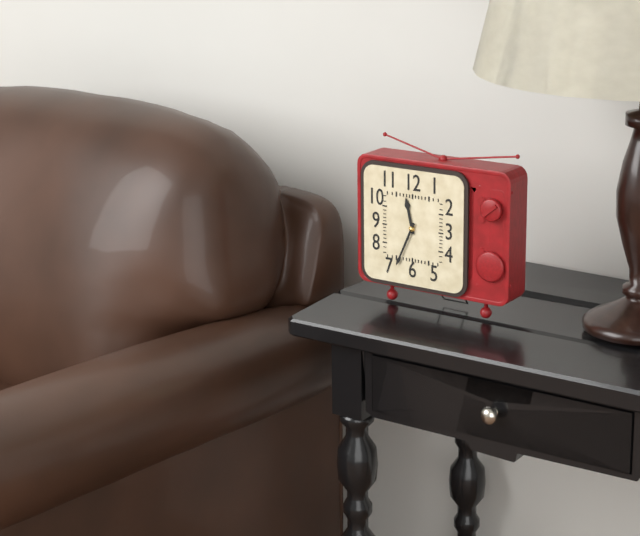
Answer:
11:34
